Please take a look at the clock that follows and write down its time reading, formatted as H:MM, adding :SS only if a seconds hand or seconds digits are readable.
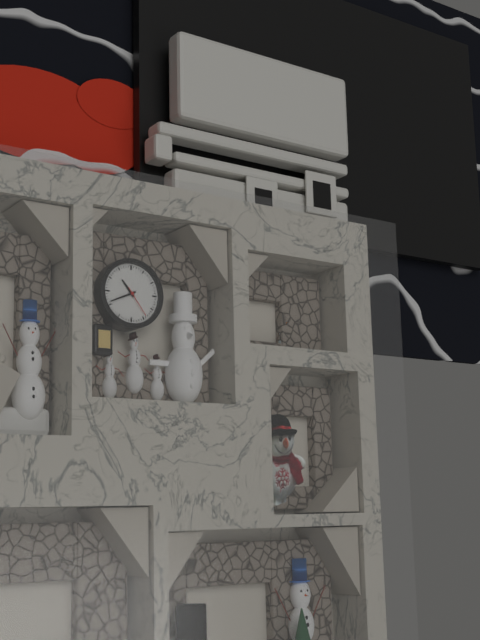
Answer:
10:41
